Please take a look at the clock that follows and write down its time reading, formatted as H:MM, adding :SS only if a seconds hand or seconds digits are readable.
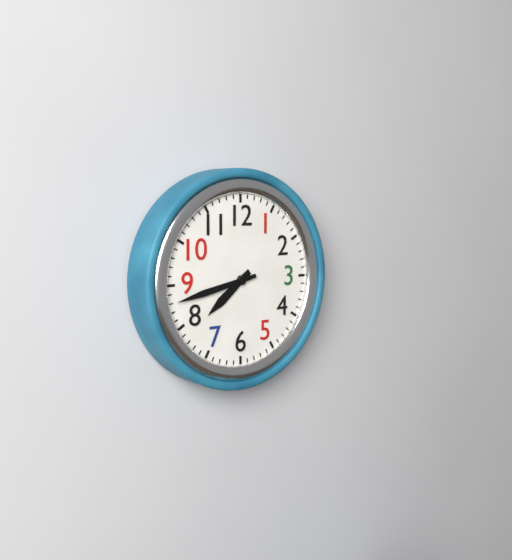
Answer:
7:43
